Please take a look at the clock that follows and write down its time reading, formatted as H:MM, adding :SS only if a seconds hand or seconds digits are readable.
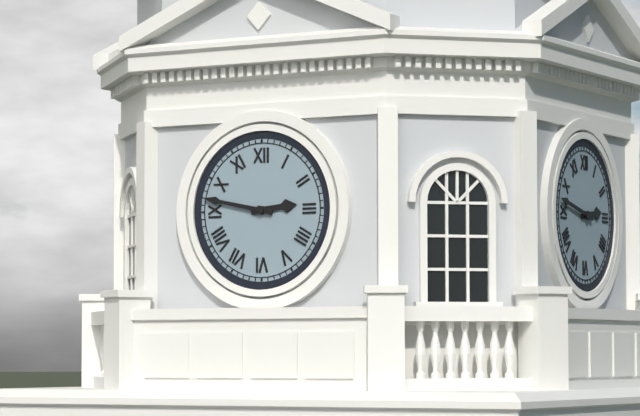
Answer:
2:47
